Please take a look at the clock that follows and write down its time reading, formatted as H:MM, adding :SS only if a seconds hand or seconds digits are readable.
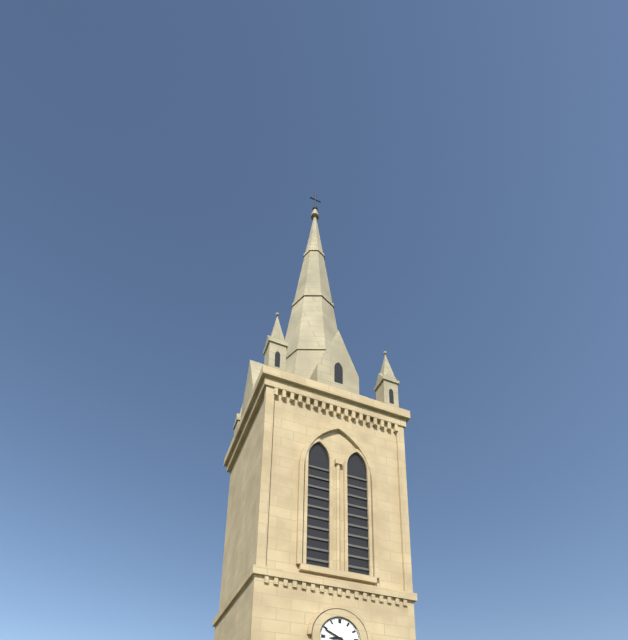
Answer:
8:49
